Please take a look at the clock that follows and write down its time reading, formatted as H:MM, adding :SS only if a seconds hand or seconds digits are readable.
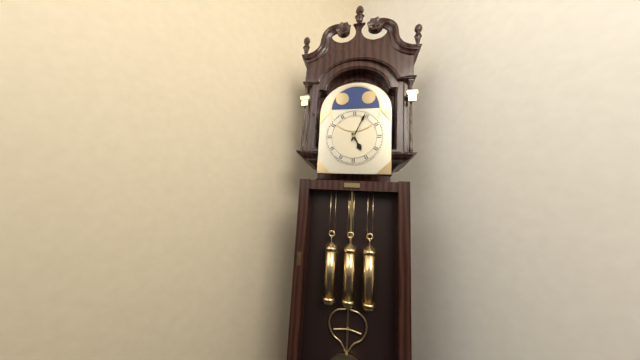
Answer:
5:04
